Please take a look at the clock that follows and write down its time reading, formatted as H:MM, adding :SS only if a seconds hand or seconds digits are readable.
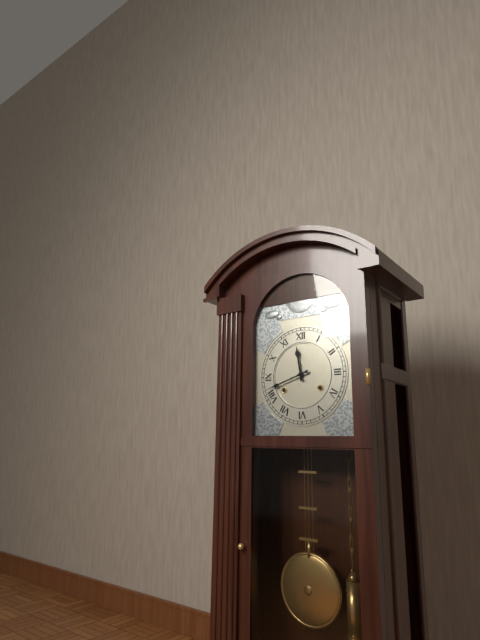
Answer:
11:42
